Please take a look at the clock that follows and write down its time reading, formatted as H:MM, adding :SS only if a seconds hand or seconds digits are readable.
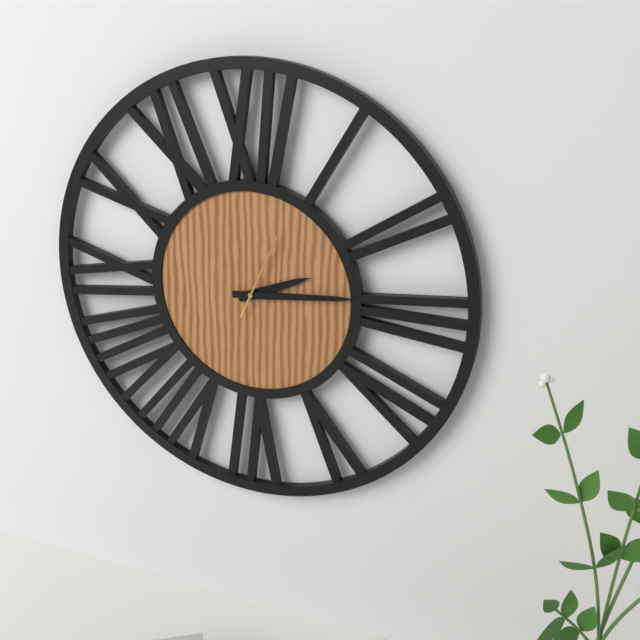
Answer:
2:14:04
